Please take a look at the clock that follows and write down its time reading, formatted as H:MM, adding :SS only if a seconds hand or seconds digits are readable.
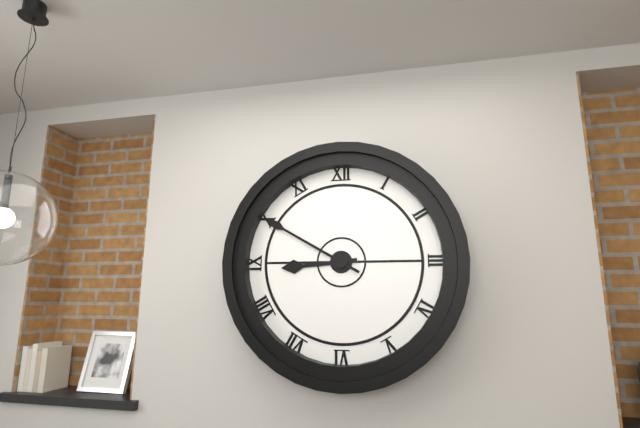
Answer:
8:50
